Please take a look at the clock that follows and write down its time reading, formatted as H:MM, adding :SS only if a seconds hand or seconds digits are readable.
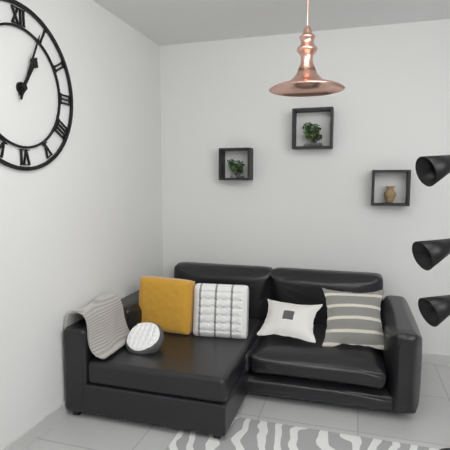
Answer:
1:04
